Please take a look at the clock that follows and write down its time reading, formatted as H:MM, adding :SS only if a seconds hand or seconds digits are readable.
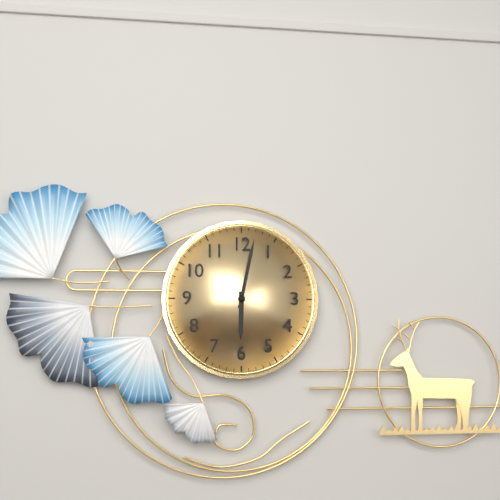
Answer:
6:02
